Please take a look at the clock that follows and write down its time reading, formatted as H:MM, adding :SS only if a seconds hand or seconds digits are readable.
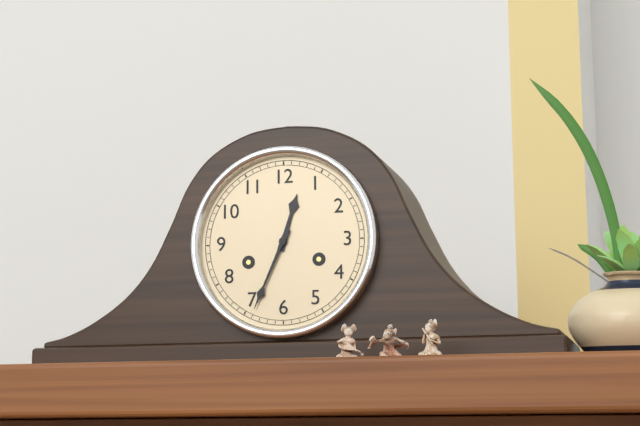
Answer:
12:34
